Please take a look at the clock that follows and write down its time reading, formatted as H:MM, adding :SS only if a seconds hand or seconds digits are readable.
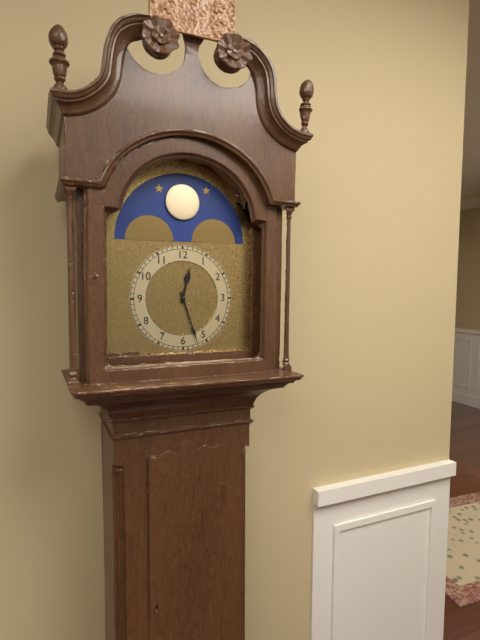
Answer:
12:27
